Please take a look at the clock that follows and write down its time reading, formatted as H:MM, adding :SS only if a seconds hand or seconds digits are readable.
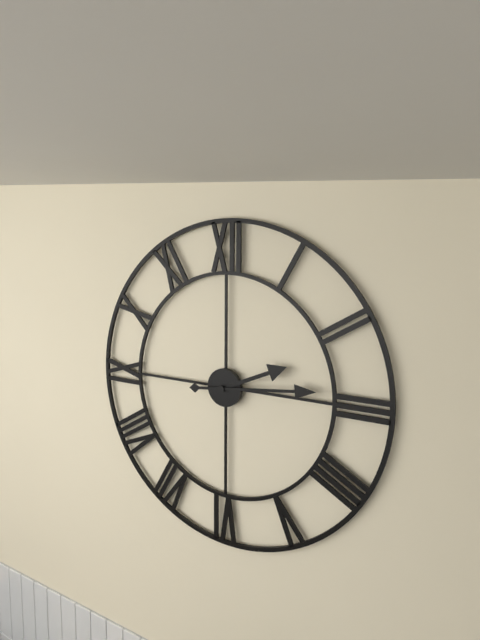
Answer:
2:14
